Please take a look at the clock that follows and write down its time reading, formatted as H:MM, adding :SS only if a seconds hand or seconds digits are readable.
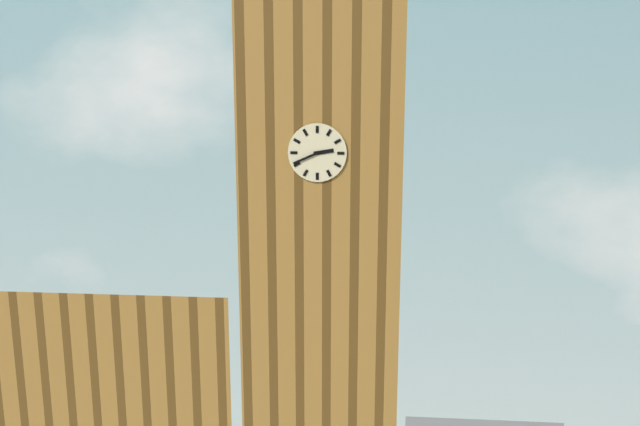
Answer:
2:41
